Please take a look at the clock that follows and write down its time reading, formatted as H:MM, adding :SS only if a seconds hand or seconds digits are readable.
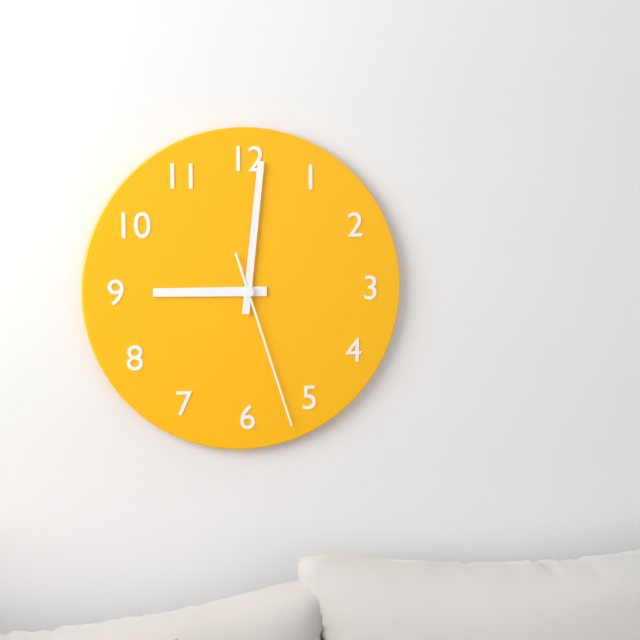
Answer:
9:01:27
